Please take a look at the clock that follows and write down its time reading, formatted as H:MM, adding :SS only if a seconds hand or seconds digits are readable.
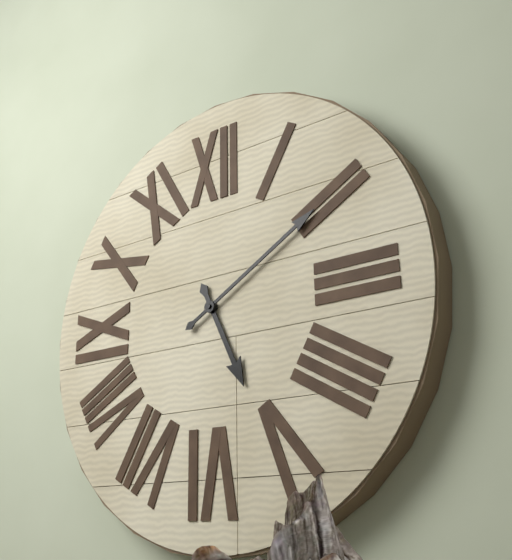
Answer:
5:10
